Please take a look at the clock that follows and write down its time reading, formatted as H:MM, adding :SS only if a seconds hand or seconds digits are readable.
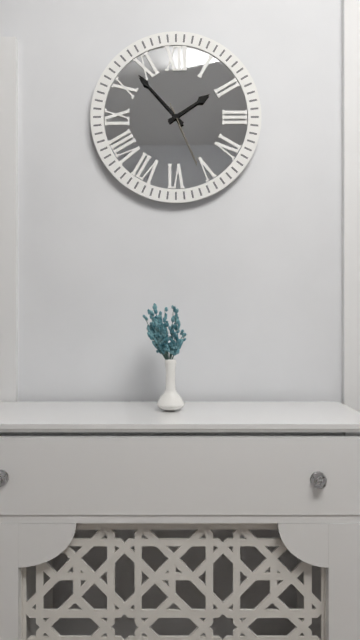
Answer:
1:53:26
